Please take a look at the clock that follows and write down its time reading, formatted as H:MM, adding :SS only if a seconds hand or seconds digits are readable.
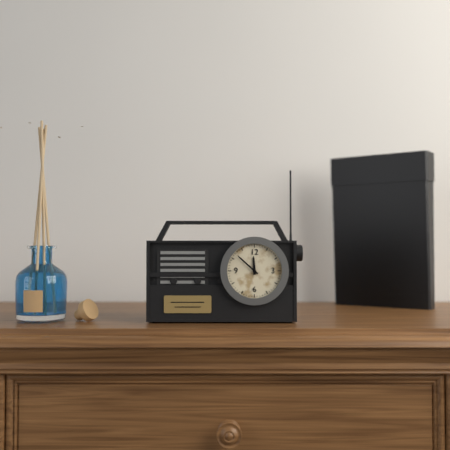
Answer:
11:52
